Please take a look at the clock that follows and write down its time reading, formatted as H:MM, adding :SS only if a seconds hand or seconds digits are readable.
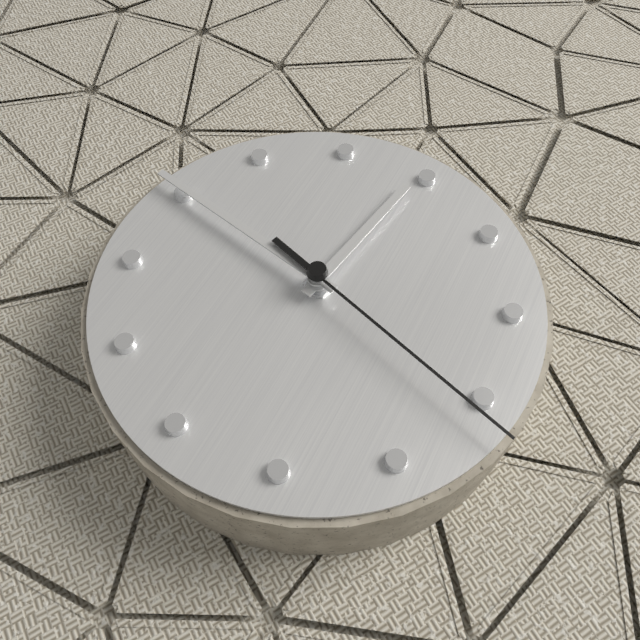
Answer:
1:55:26
